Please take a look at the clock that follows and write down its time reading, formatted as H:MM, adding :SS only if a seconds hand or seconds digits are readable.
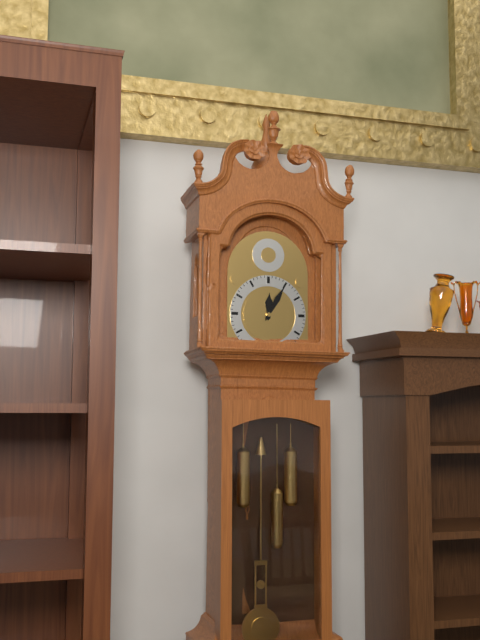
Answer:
12:05
